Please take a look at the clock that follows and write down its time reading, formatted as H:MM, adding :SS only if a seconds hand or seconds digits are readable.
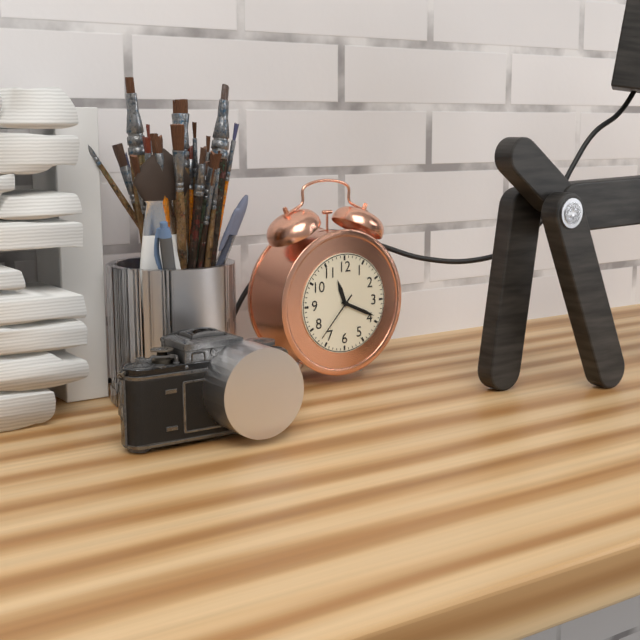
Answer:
11:19:37
